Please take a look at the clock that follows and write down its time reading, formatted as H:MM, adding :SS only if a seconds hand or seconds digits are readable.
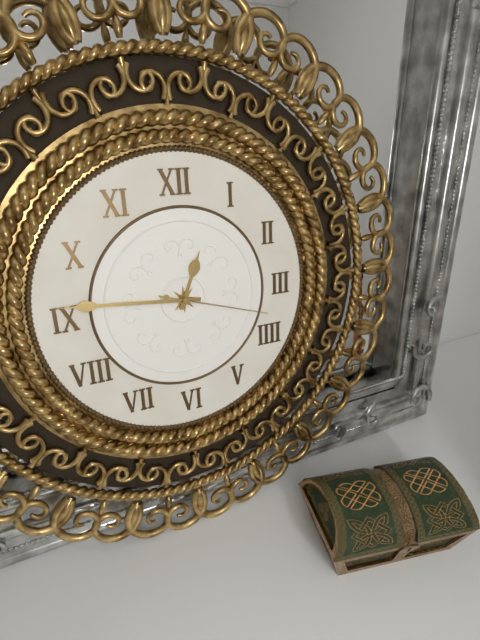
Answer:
12:46:18
